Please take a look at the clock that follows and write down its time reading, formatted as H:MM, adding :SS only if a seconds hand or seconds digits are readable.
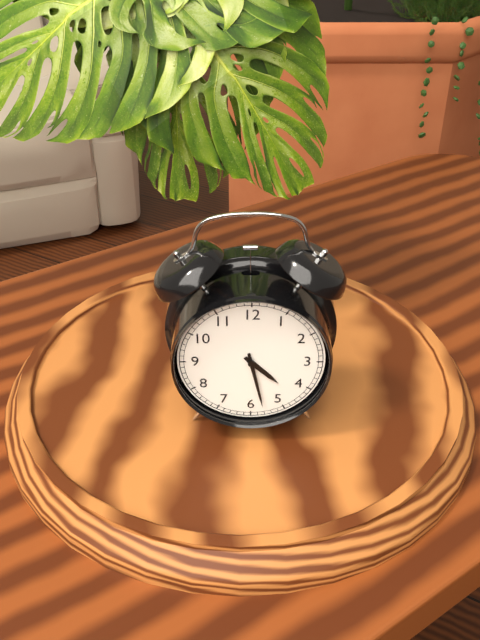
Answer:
4:28
